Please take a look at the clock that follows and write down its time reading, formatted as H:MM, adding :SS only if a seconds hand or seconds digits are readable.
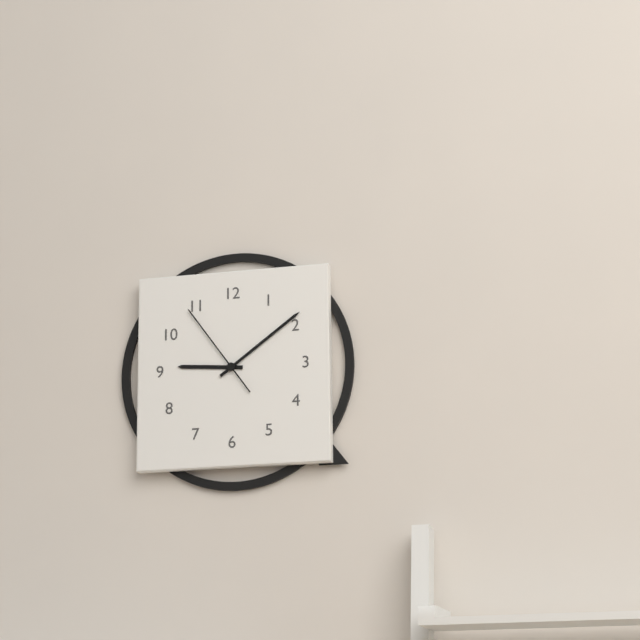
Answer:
9:09:54
